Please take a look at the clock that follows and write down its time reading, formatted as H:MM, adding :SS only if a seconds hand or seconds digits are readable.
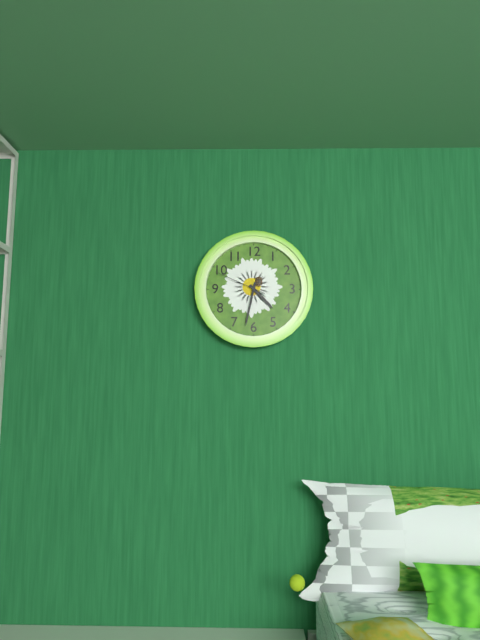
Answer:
4:32:49
